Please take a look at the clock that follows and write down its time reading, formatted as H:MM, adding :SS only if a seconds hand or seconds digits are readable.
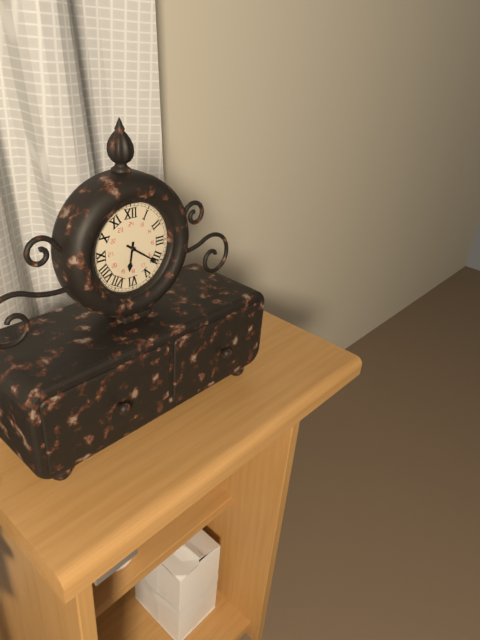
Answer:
6:21
